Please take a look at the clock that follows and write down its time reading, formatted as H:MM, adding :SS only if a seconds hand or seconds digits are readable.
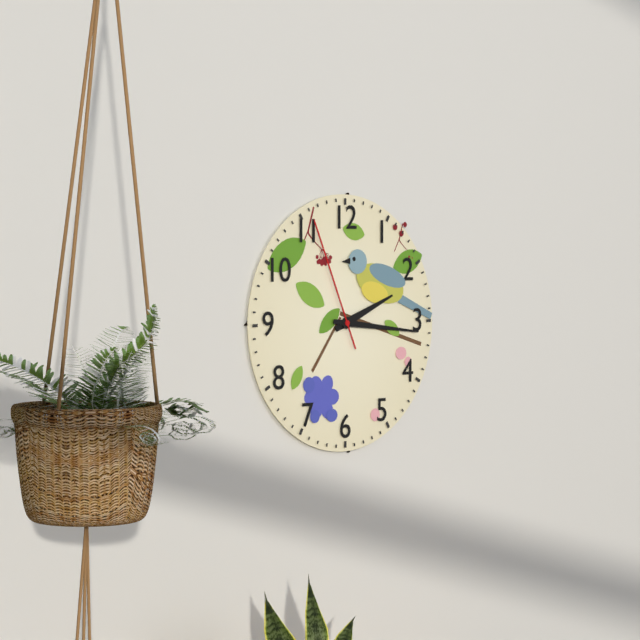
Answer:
2:16:56
